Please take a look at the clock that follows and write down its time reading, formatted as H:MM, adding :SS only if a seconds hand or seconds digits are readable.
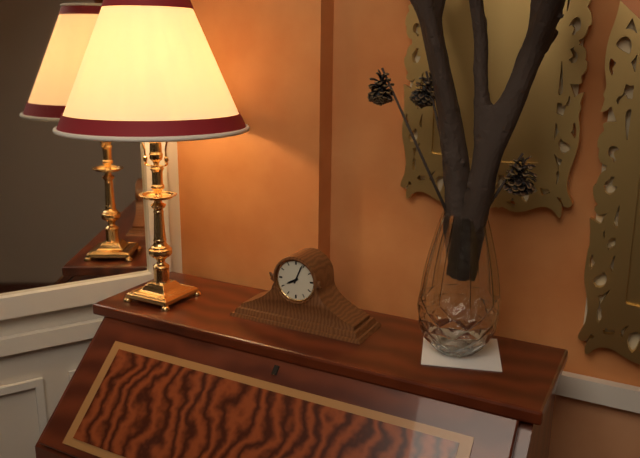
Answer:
8:04
